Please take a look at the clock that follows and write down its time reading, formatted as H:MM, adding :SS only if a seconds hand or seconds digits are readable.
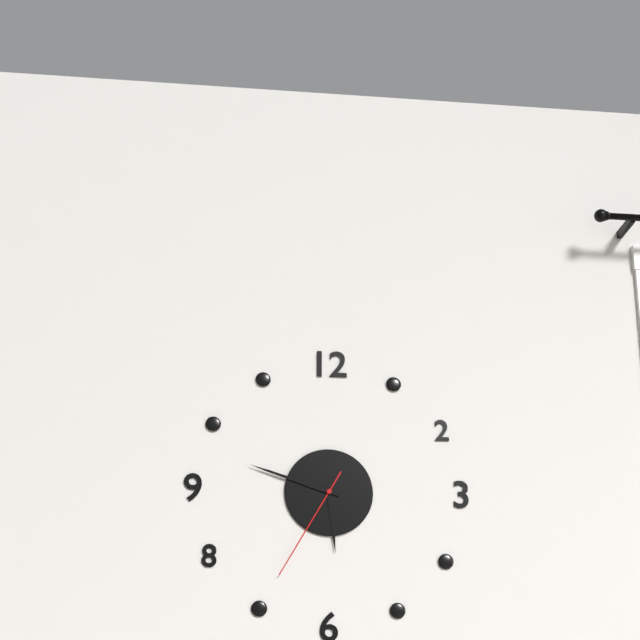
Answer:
5:48:35
